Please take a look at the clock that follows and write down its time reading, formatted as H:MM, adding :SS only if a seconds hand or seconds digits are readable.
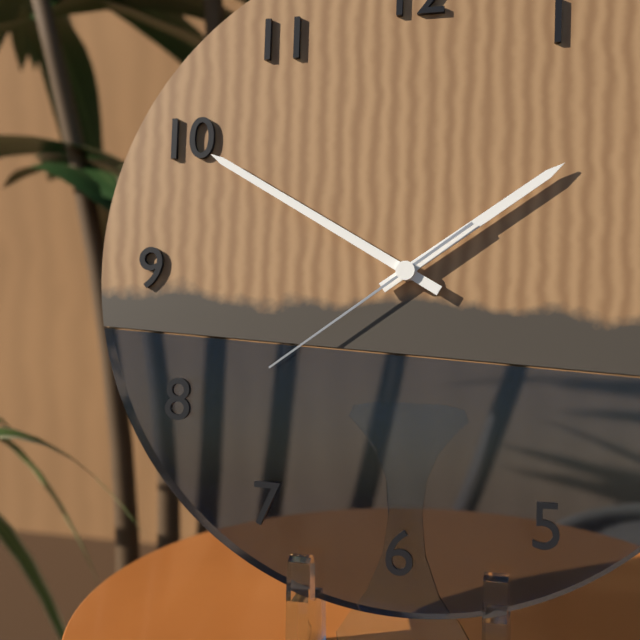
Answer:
1:50:39
